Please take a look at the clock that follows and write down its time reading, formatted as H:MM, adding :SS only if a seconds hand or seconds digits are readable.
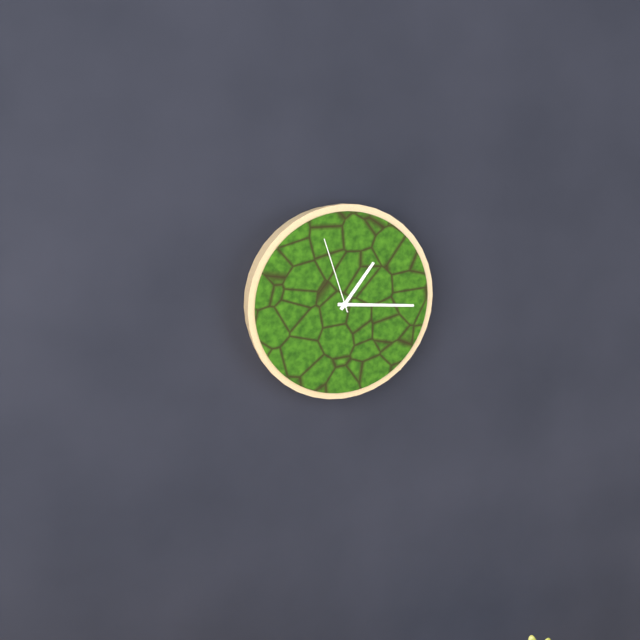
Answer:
1:16:57
